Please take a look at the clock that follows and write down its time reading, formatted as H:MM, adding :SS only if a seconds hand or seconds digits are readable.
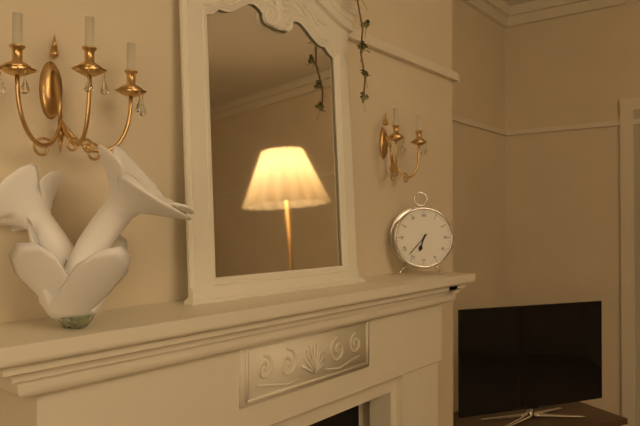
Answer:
6:37
